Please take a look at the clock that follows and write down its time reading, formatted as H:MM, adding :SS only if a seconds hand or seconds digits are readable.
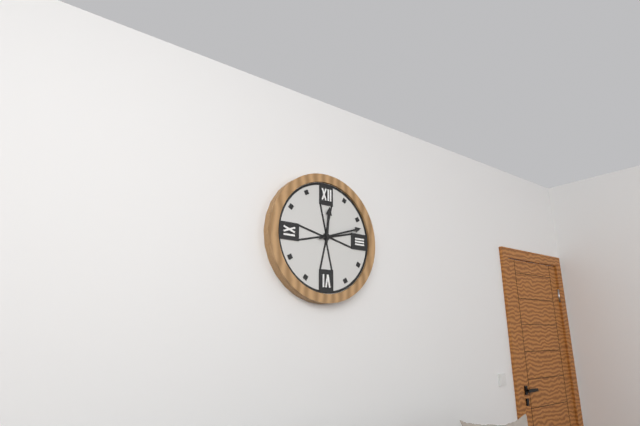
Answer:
12:12
